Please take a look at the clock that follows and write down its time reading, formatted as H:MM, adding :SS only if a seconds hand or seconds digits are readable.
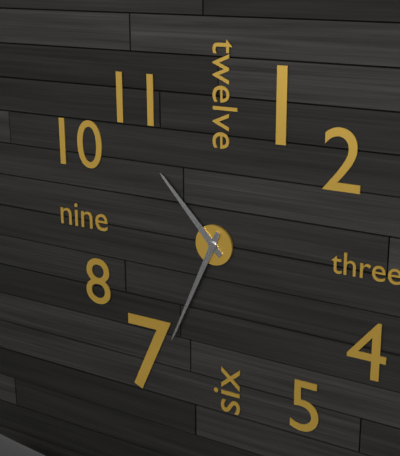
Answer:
10:34
